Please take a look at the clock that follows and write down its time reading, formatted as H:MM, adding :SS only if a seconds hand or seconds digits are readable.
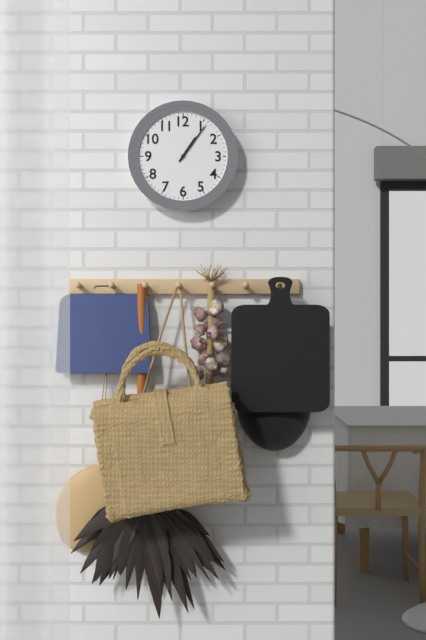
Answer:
1:06
